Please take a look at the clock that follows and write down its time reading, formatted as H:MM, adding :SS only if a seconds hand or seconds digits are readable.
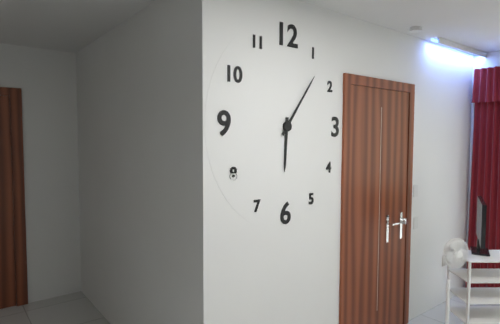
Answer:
6:06
